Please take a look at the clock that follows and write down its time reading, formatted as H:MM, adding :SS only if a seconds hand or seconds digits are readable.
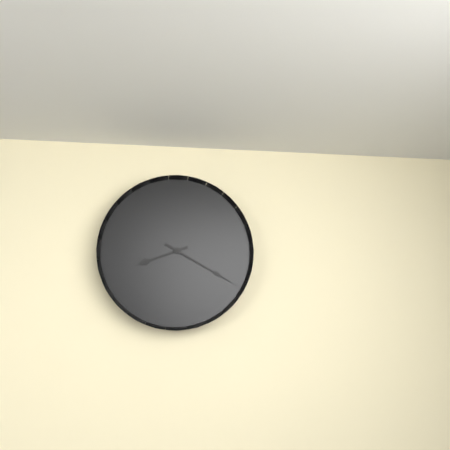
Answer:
8:20
